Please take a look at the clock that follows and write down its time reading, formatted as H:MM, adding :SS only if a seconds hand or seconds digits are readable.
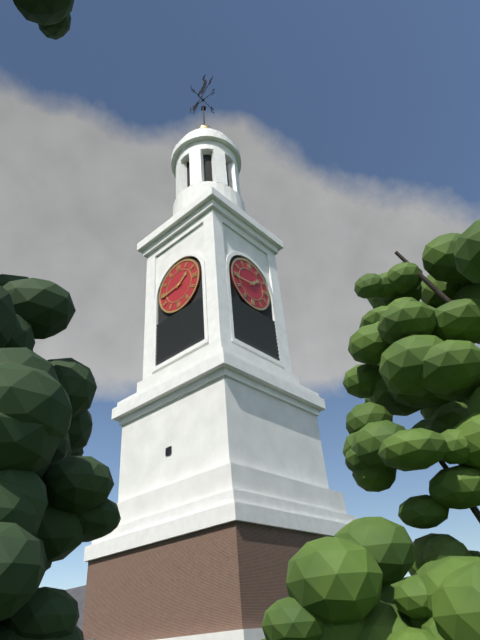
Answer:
1:44
